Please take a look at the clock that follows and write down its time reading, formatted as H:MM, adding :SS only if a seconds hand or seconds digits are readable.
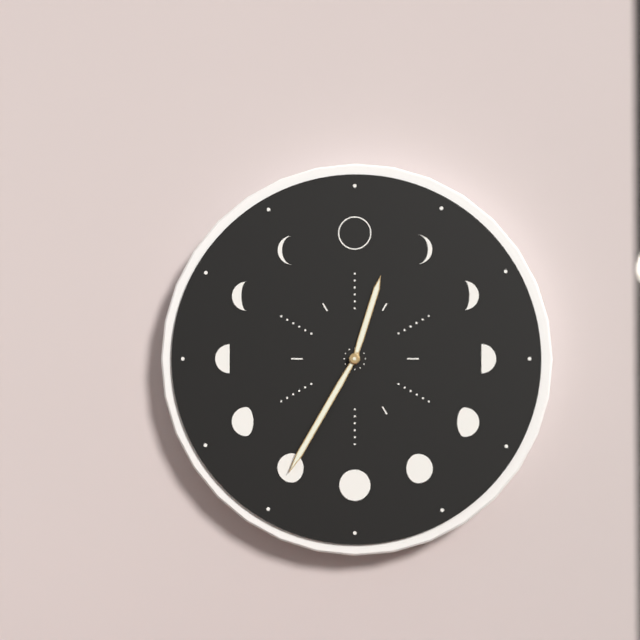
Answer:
12:35
